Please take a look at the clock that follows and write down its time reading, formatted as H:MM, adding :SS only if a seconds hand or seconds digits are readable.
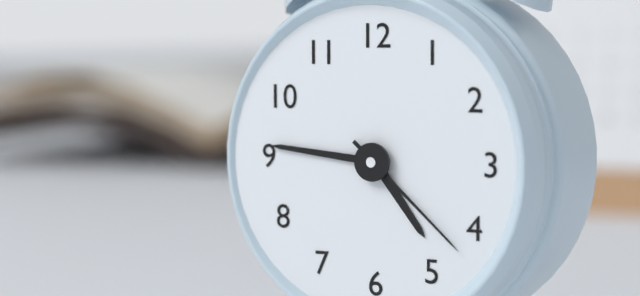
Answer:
4:46:22
